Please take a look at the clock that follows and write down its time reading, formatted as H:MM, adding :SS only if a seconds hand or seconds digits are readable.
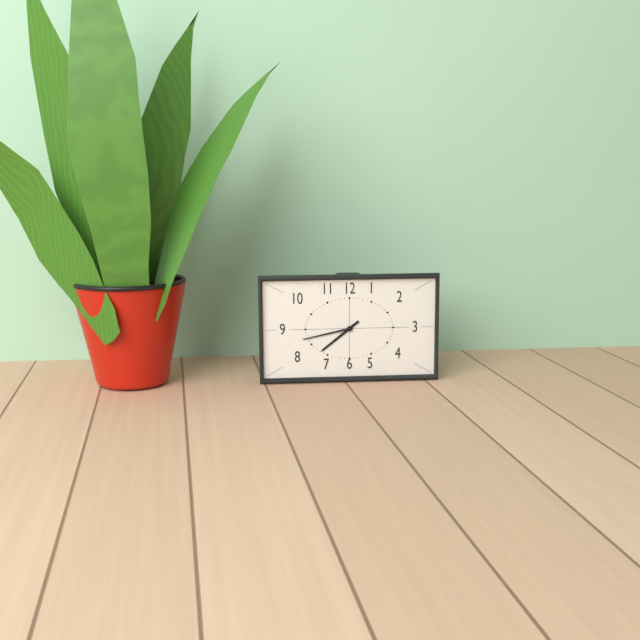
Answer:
7:43
